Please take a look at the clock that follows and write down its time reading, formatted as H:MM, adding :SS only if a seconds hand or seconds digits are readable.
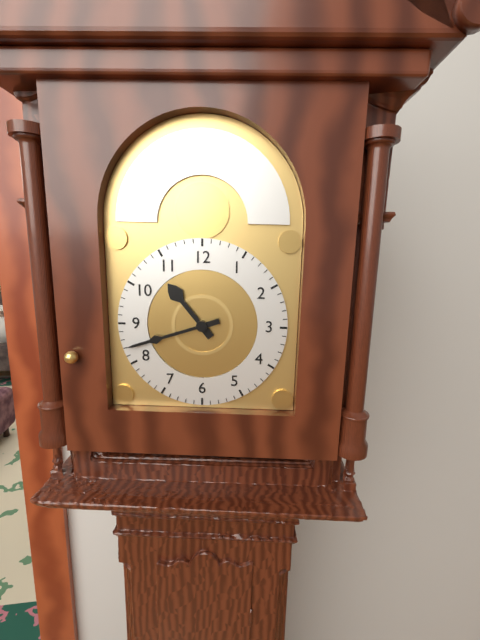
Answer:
10:42
